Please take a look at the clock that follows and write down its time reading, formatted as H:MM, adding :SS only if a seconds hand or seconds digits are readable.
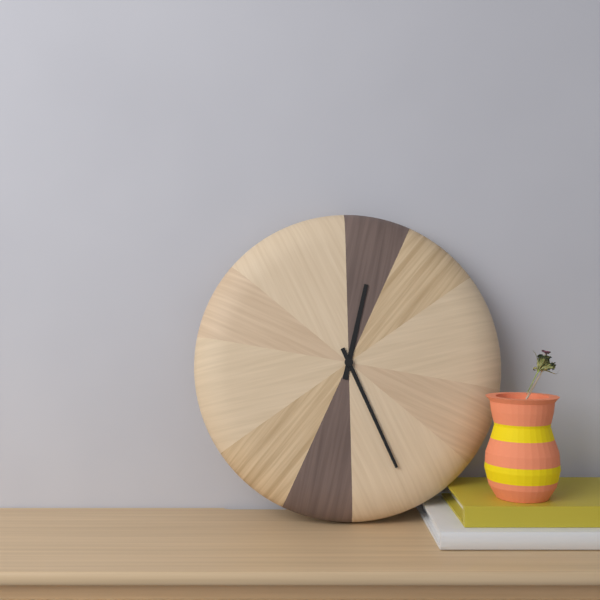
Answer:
12:26
